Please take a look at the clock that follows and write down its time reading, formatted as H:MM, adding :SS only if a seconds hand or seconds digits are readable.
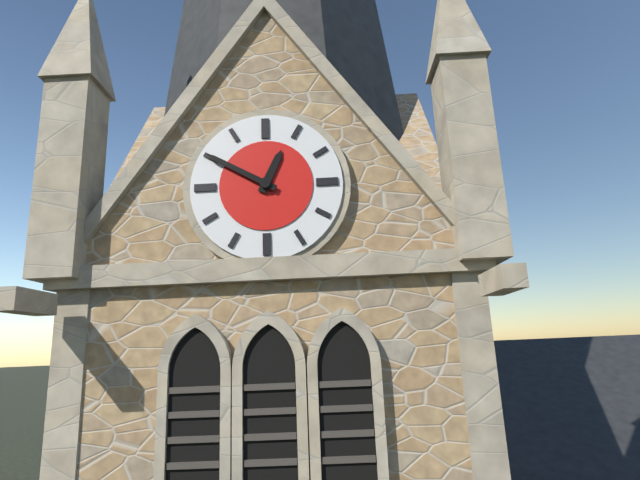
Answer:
12:50
